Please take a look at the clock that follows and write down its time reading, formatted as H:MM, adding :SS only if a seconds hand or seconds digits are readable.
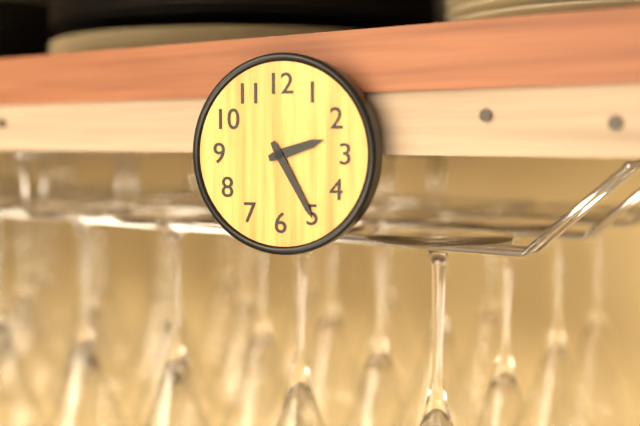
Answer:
2:25
